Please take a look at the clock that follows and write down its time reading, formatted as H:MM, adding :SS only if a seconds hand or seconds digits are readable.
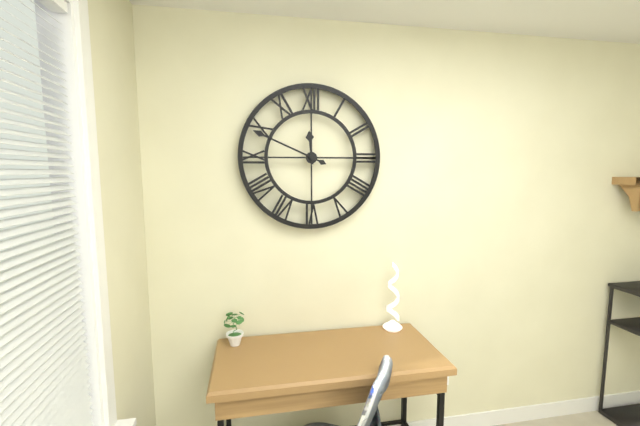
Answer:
11:49
